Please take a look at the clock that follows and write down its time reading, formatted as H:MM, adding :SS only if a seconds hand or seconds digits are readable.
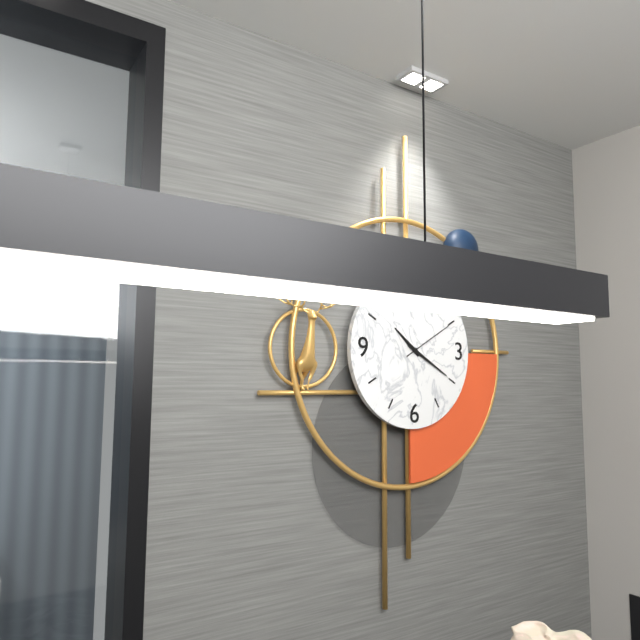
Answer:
10:20:10
